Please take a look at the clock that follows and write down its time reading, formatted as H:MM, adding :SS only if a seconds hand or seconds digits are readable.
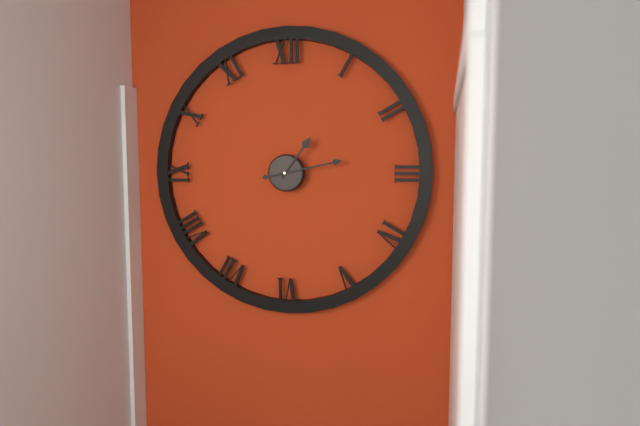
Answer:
1:13
